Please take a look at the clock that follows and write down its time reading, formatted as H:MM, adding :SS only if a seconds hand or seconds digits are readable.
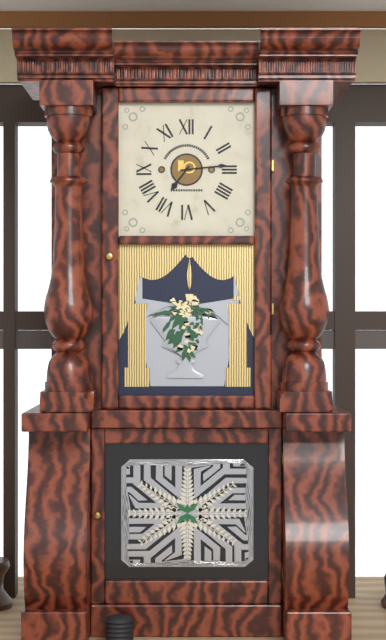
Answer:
7:14
